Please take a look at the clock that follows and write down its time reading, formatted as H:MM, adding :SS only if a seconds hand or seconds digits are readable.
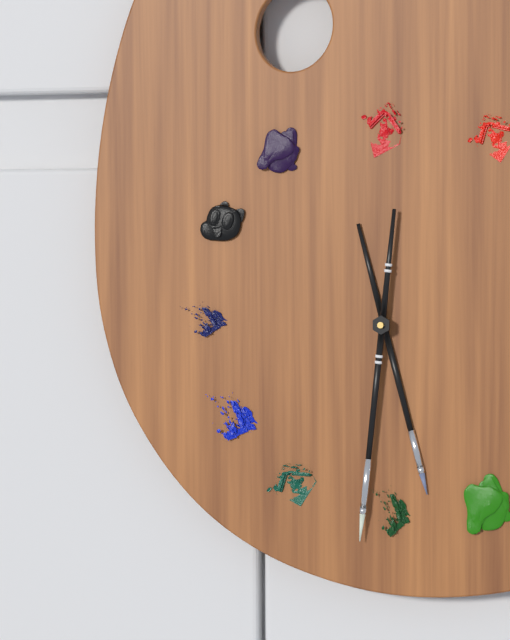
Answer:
5:31
